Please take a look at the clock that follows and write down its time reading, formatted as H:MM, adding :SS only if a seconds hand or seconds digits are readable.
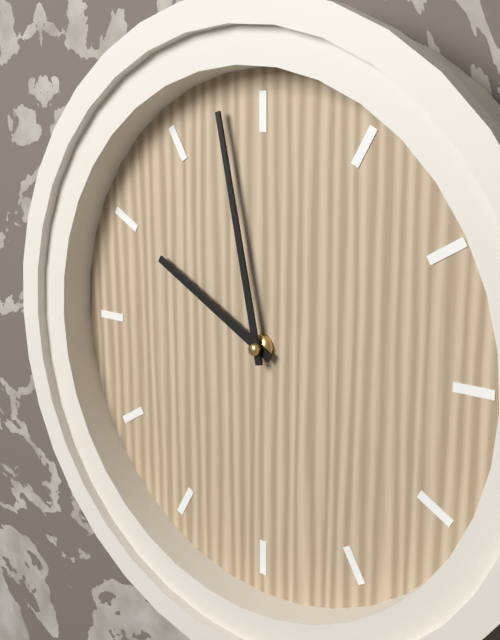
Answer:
9:58
